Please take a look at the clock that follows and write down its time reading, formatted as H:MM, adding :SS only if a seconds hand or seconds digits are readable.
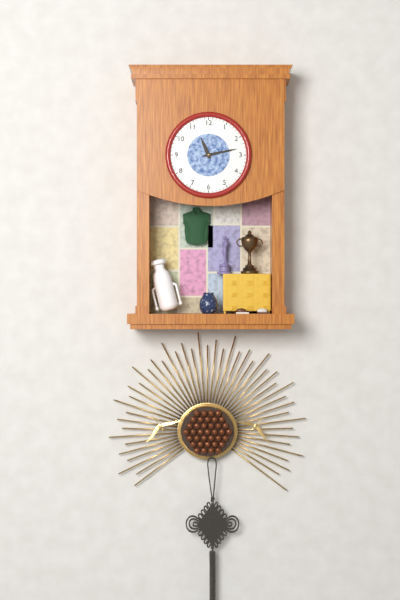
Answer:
11:13
